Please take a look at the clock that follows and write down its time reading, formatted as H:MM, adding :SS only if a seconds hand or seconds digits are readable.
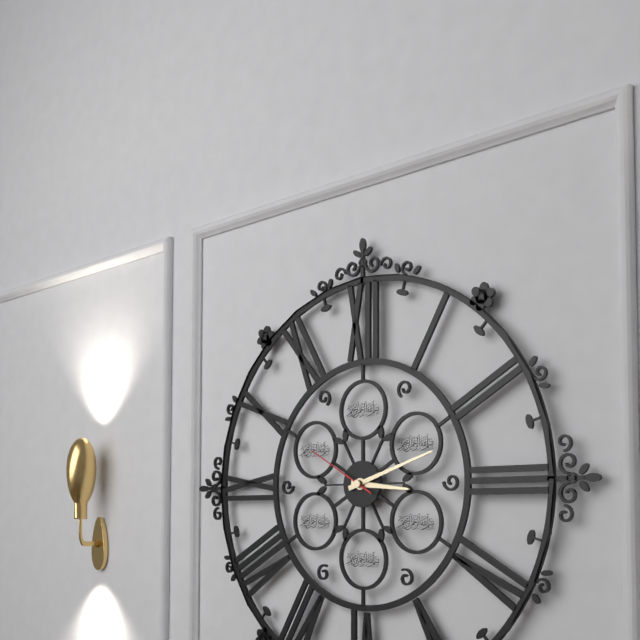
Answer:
3:12:50
